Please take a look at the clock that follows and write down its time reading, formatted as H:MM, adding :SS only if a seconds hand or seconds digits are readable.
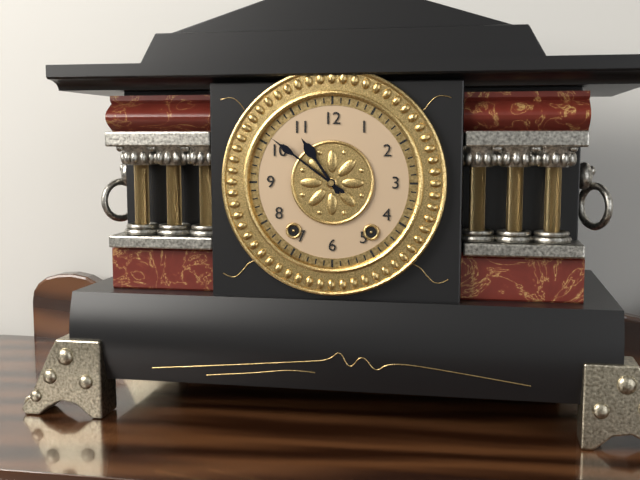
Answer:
10:51
